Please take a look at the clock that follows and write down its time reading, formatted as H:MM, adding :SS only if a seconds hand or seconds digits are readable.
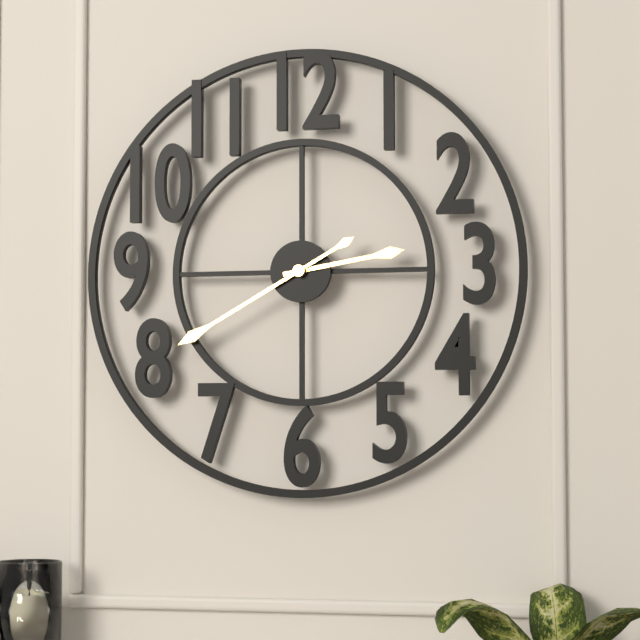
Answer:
2:40
